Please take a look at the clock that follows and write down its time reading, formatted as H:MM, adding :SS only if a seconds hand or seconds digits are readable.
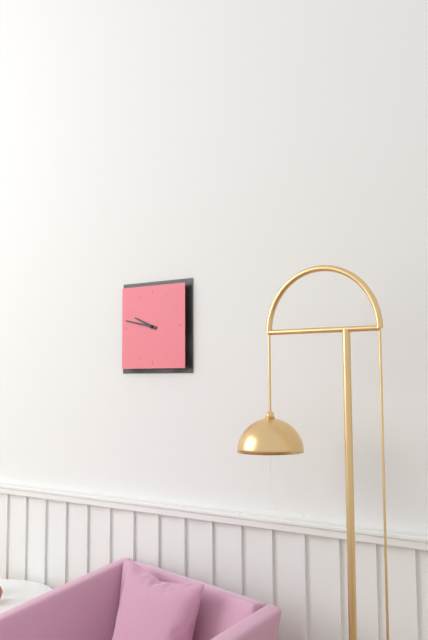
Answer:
9:47
